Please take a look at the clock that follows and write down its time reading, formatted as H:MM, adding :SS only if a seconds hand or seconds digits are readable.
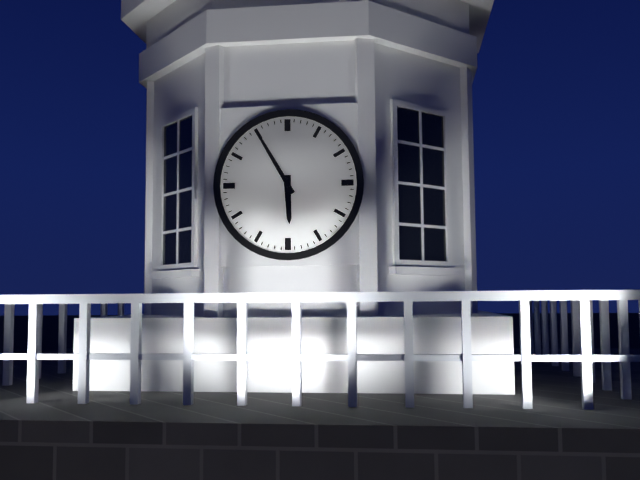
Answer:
5:55
